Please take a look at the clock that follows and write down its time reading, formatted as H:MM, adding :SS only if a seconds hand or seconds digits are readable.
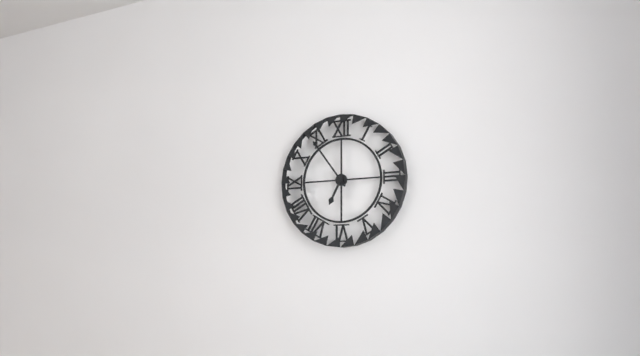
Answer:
6:54
